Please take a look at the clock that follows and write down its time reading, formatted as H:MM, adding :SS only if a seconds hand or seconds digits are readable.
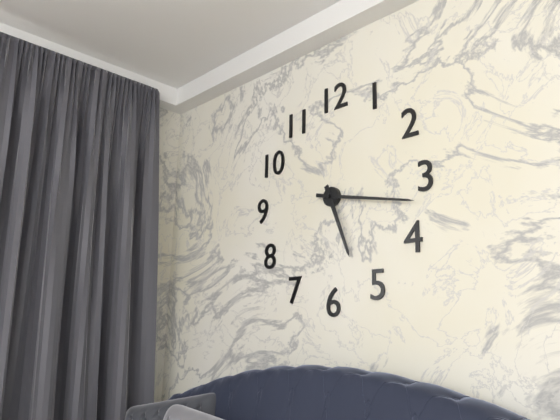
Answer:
5:17
